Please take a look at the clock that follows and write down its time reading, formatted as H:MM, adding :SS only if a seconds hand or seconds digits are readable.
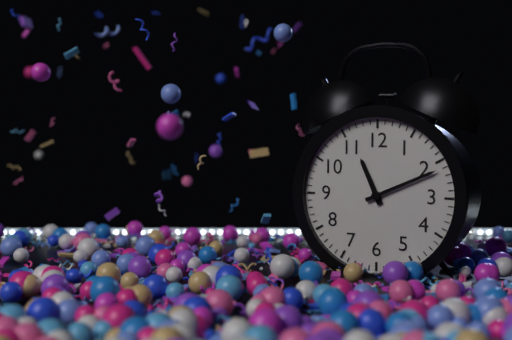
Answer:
11:11
